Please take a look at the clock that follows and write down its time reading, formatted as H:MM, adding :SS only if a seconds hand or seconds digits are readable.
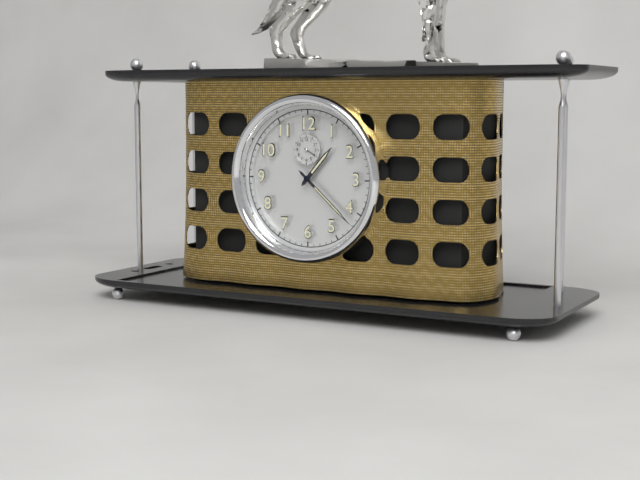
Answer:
1:22
